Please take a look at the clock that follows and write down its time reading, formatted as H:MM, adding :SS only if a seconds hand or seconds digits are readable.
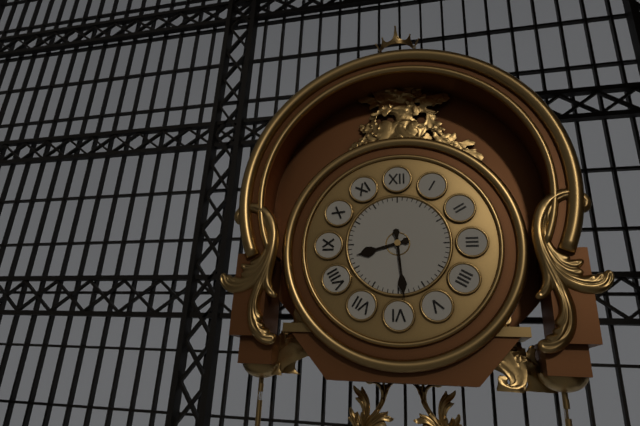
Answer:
8:29
